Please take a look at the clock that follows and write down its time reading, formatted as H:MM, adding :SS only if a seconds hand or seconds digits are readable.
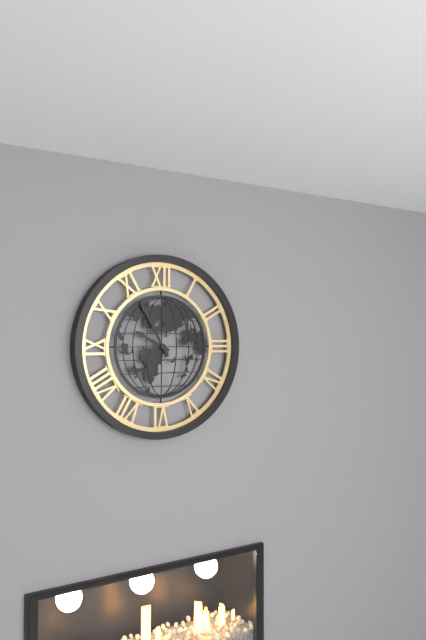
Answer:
9:55
